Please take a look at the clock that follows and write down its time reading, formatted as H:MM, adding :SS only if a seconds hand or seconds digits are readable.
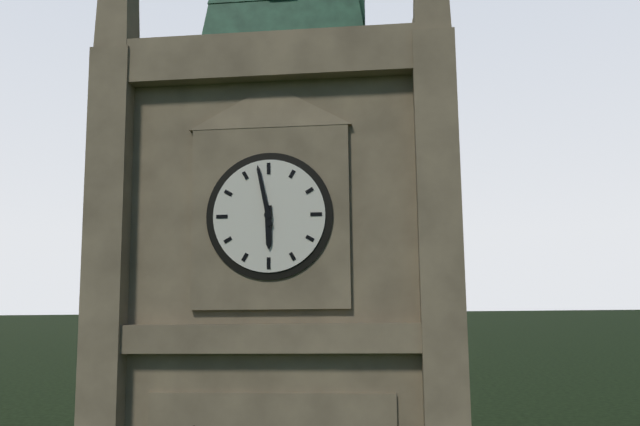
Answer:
5:58
